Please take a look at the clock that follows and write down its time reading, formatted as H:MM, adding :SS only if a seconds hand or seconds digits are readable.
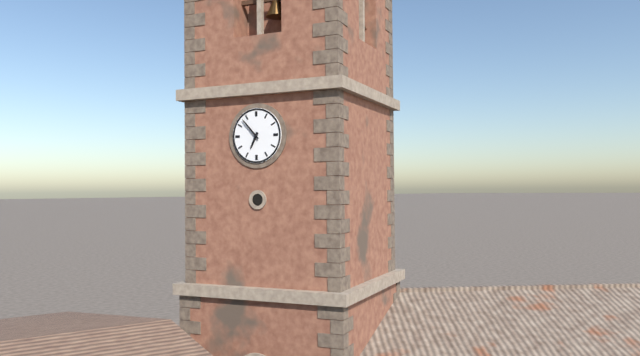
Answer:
6:53
